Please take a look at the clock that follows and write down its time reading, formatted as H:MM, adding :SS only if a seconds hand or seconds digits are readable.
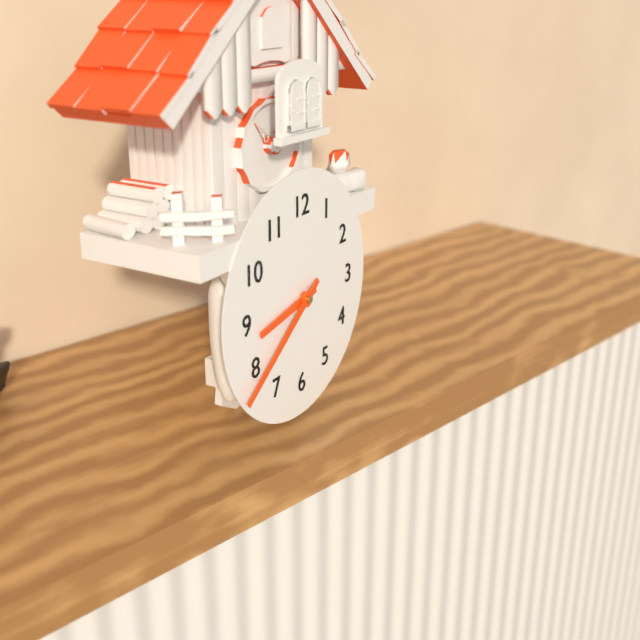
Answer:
8:39
